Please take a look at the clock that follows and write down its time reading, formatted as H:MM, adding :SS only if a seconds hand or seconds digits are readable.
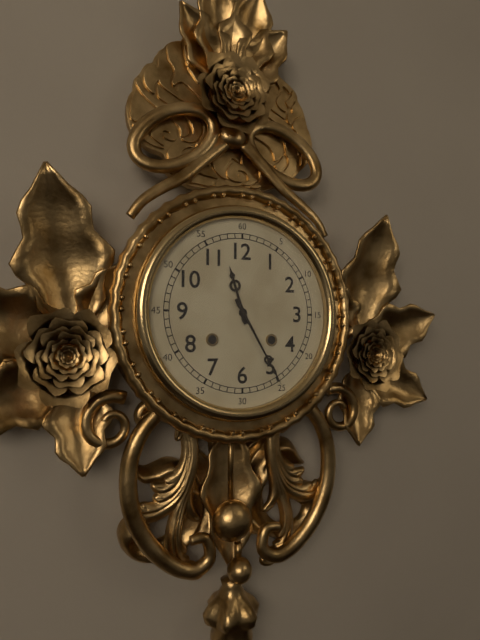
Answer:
11:25
